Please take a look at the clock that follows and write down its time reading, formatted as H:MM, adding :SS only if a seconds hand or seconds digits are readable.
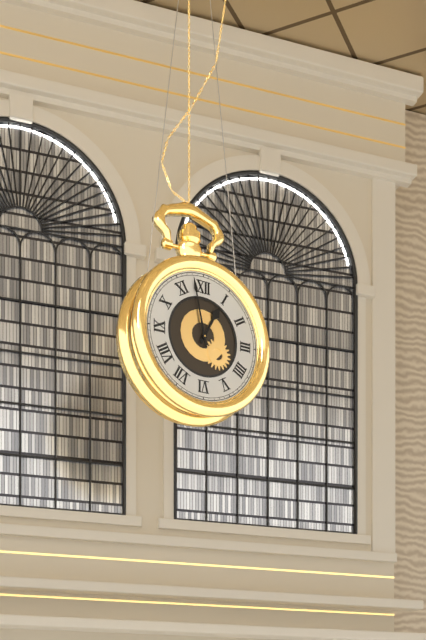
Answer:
12:58
